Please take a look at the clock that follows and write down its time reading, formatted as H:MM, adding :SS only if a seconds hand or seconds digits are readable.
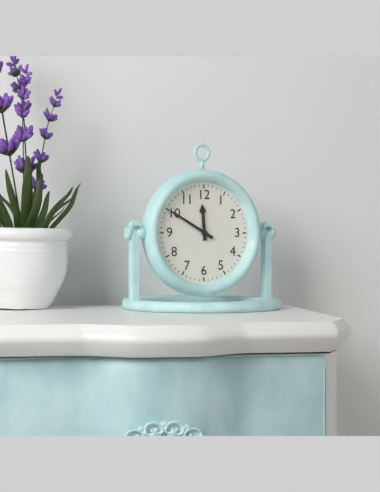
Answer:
11:50
